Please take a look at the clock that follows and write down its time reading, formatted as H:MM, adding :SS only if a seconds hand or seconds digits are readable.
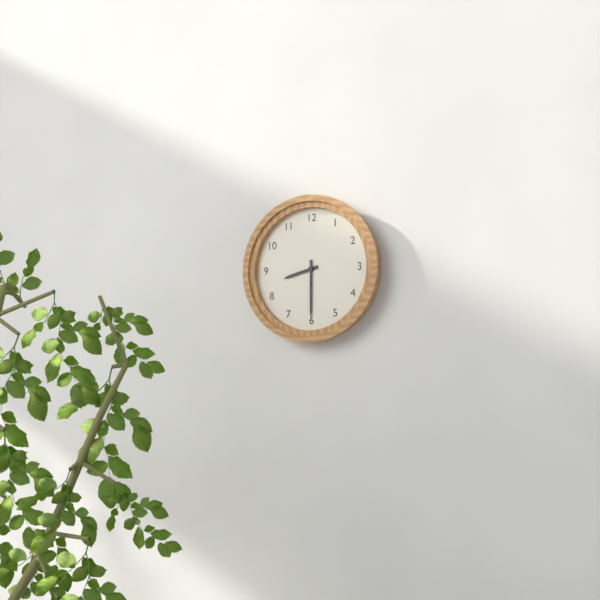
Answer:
8:30
